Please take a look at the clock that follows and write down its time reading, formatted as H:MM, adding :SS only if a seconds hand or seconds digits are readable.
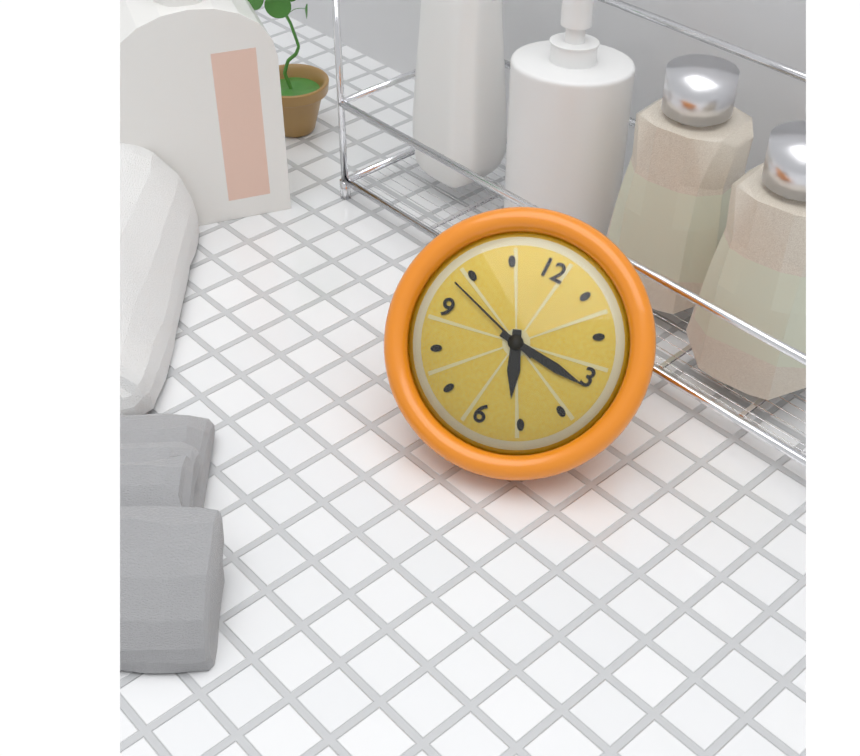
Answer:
5:16:48
